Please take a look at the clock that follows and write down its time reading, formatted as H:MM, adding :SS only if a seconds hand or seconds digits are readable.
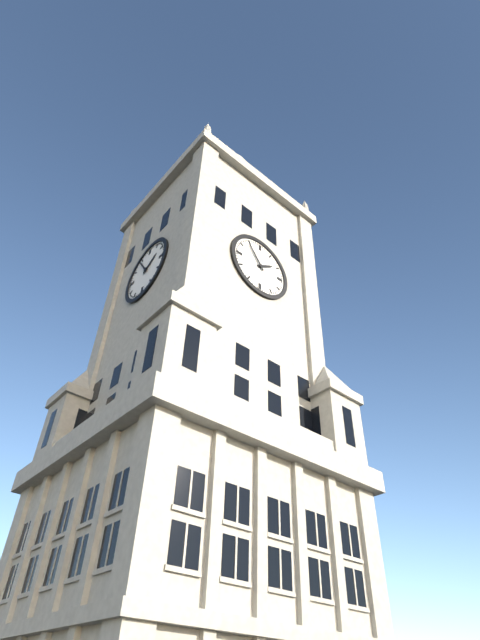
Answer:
1:54
